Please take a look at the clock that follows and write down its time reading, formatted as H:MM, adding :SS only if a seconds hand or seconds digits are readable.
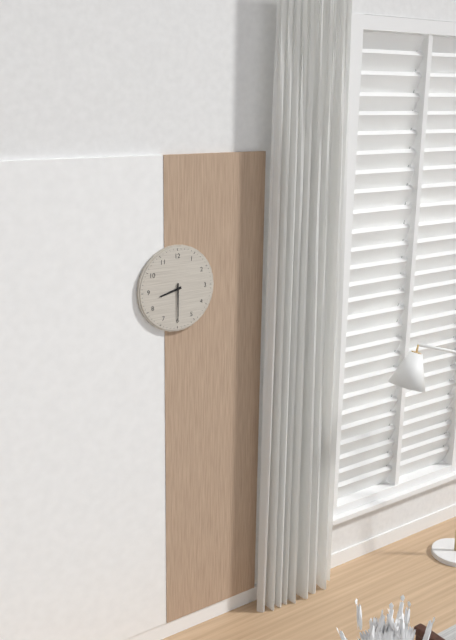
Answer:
8:30
